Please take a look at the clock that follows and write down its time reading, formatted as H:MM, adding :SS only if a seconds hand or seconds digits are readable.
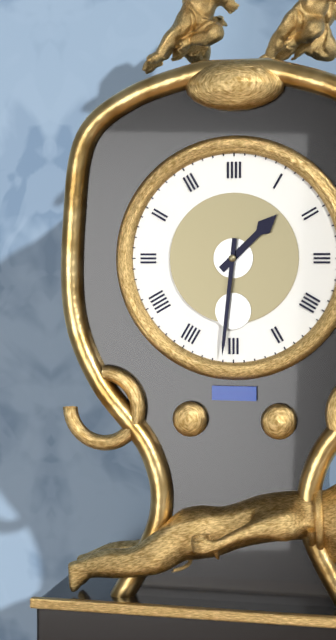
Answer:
1:31
